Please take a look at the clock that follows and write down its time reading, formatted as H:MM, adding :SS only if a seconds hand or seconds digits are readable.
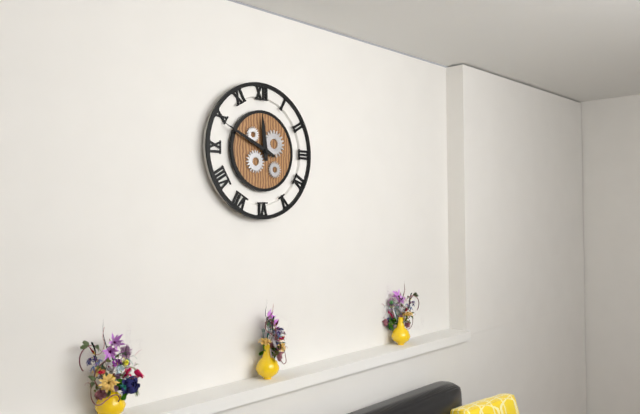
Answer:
11:49
